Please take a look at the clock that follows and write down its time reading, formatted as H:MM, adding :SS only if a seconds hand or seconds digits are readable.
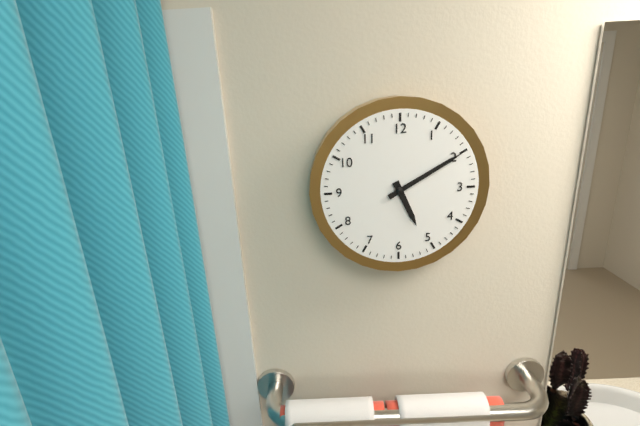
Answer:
5:10
